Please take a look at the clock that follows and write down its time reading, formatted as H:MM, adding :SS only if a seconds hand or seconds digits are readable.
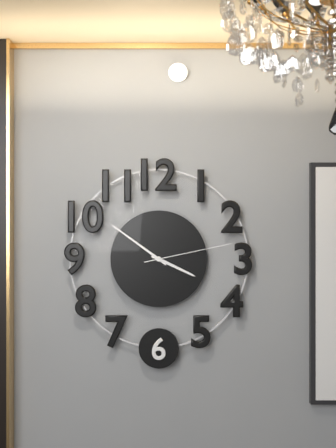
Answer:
3:51:13
